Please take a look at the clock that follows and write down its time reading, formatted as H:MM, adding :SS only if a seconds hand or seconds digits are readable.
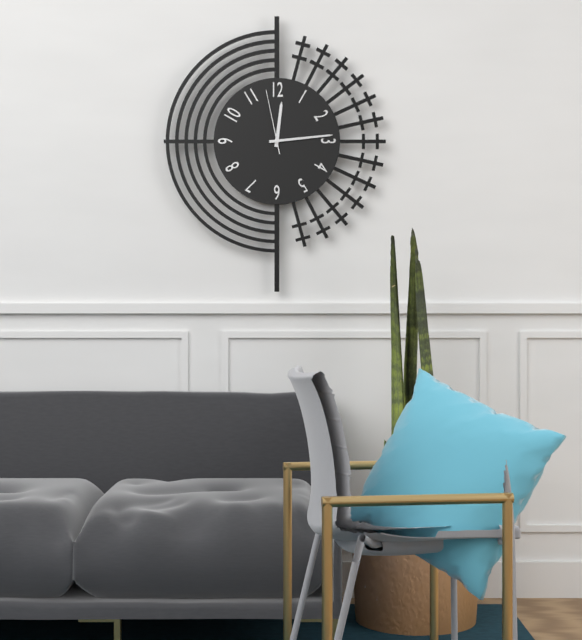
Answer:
12:14:58
